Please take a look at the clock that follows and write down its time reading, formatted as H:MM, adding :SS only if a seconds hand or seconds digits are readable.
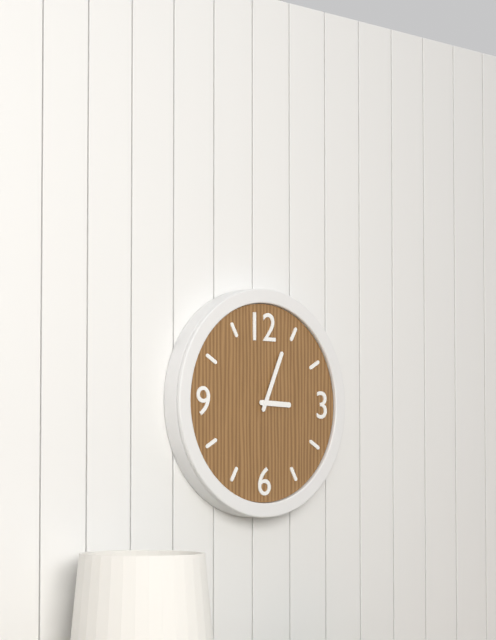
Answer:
3:04
